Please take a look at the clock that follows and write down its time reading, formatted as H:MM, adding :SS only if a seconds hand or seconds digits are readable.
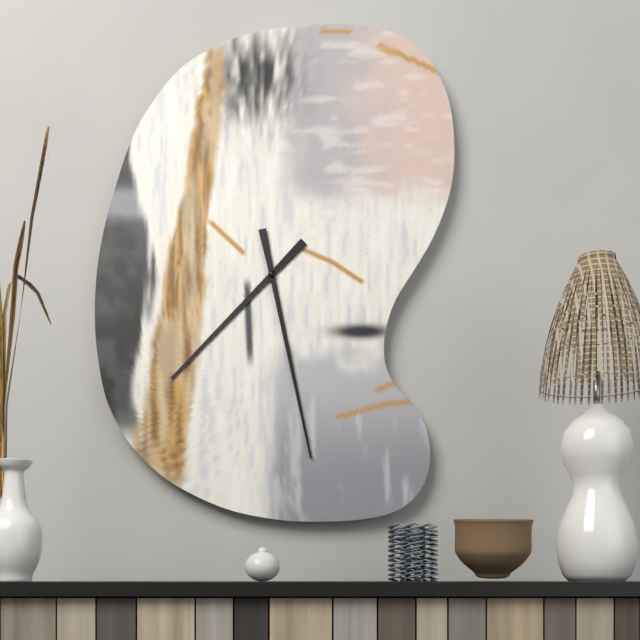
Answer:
7:28
